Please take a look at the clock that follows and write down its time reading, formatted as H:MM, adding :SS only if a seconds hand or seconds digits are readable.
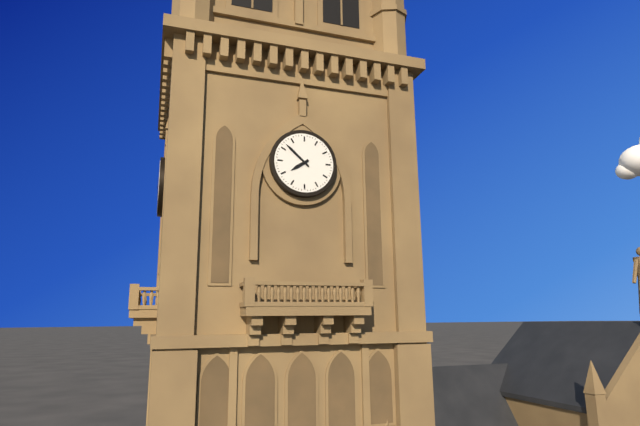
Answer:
7:52
